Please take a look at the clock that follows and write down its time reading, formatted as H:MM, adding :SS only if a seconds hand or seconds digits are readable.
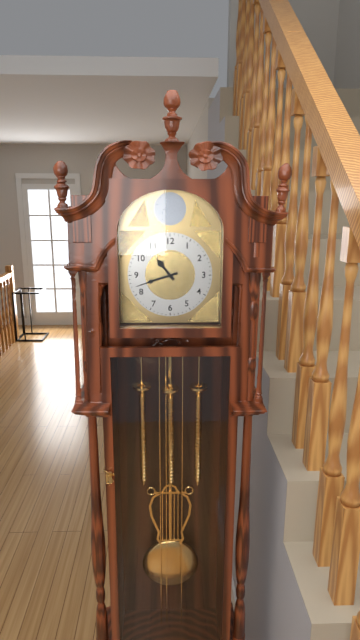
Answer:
10:42
